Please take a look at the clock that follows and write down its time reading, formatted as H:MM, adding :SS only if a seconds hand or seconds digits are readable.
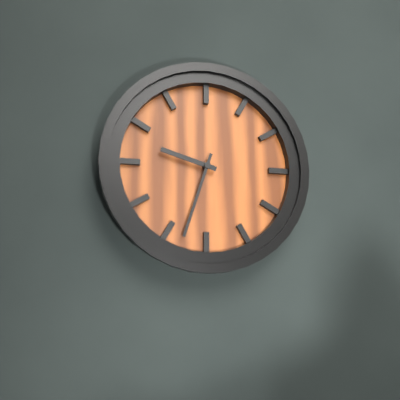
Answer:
9:33
